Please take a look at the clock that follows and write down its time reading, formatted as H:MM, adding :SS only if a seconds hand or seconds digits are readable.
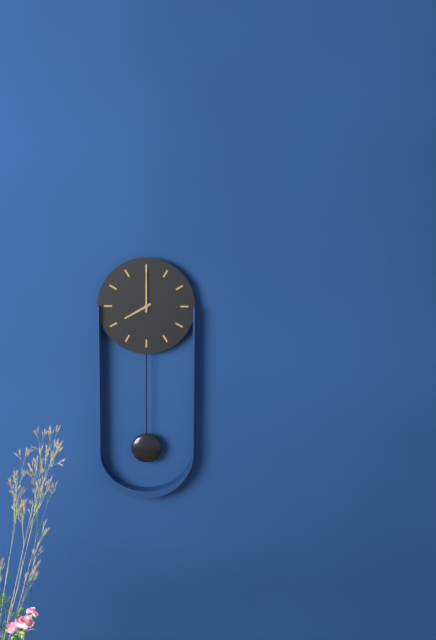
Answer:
8:00
